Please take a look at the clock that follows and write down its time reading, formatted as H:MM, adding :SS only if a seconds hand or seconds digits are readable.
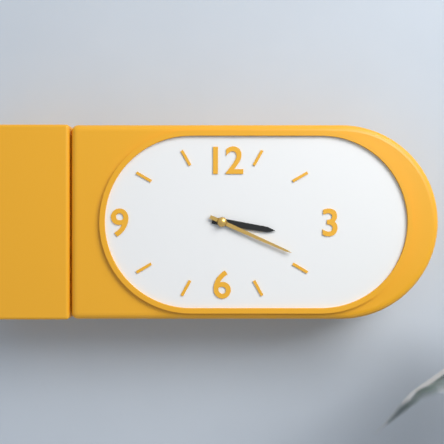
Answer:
3:19
